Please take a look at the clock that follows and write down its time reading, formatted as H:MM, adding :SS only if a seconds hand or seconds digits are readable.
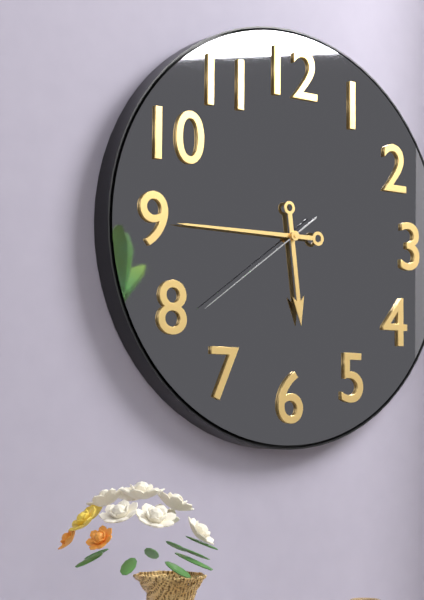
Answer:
5:45:39
